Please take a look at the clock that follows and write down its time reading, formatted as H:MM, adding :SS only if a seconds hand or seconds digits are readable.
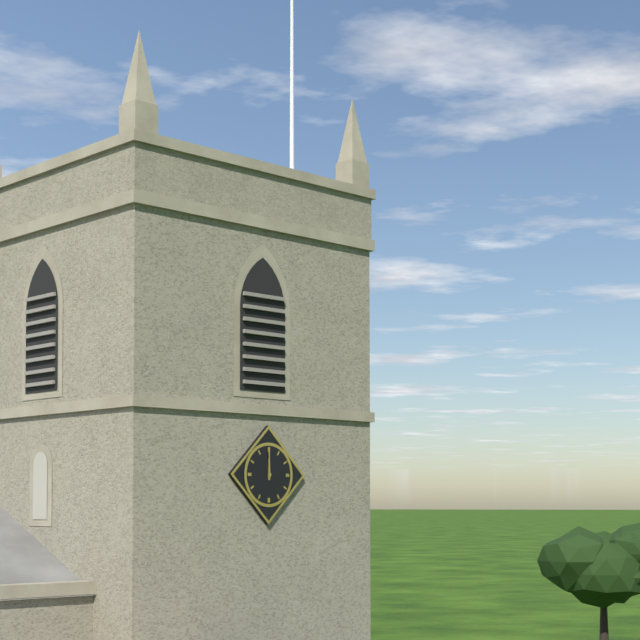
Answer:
12:00
